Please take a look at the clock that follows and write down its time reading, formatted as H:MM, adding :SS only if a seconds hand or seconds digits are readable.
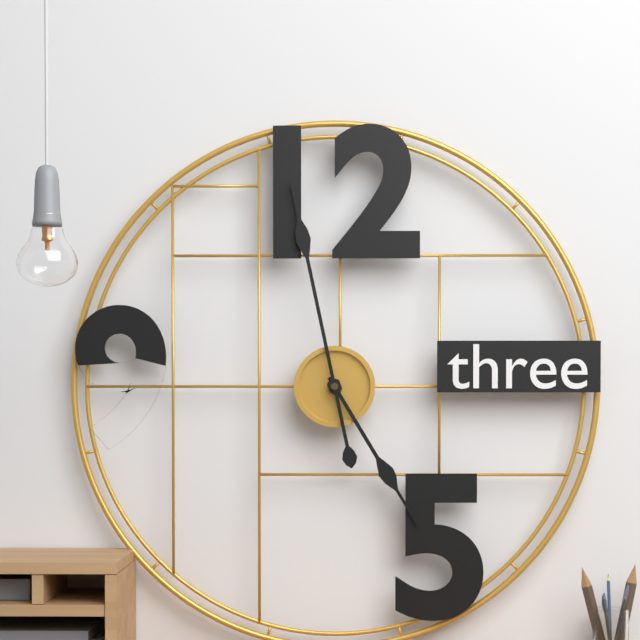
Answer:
4:58
